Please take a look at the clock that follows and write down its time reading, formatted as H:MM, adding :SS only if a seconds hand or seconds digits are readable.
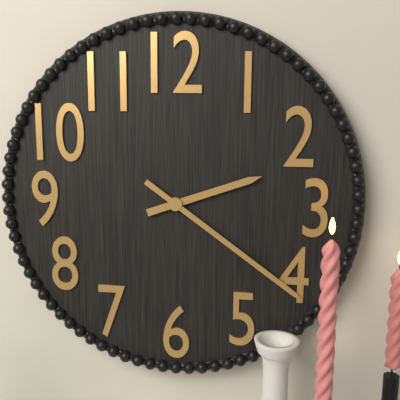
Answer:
2:21
